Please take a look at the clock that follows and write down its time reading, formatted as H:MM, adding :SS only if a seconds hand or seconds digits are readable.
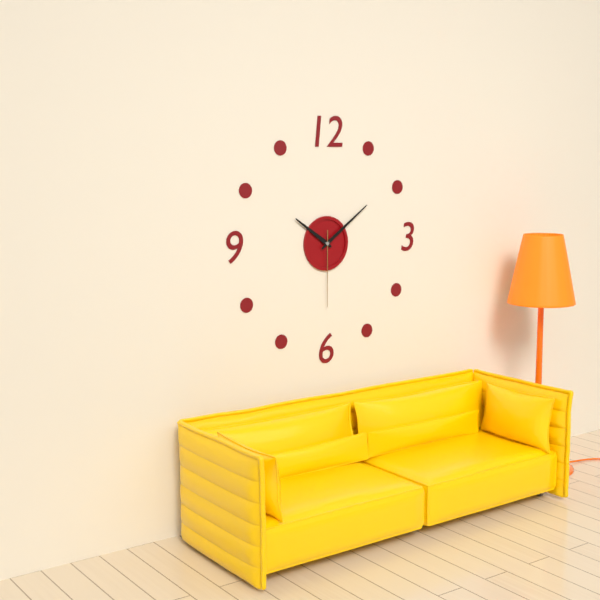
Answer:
10:09:30
